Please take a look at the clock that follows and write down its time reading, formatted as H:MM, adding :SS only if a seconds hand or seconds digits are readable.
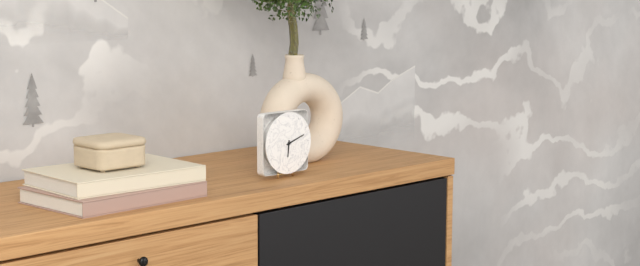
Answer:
6:12
